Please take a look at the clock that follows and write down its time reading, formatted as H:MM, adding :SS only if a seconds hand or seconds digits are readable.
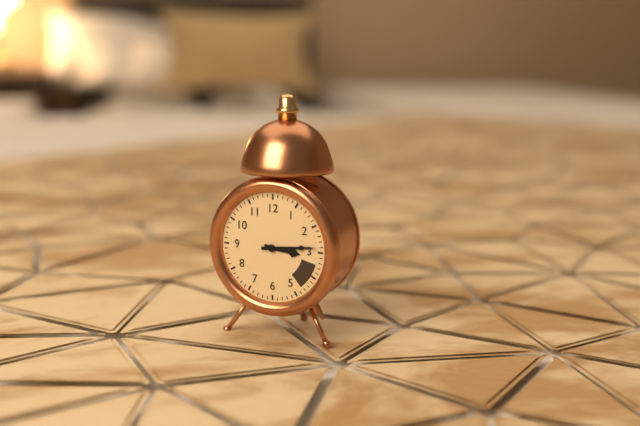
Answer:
3:14
